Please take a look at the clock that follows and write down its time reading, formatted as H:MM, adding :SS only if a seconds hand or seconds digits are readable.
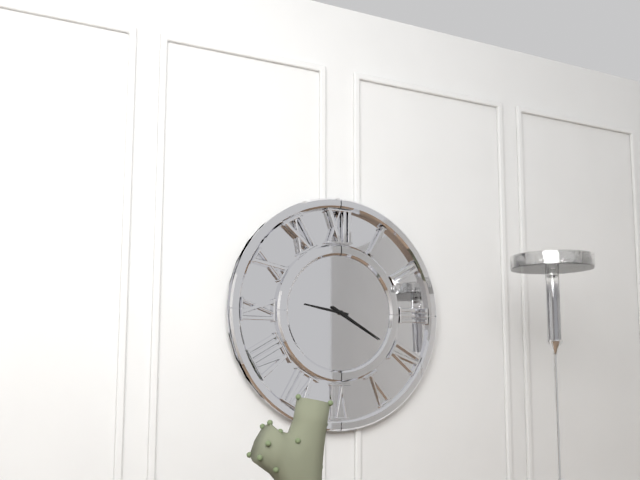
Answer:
9:20
